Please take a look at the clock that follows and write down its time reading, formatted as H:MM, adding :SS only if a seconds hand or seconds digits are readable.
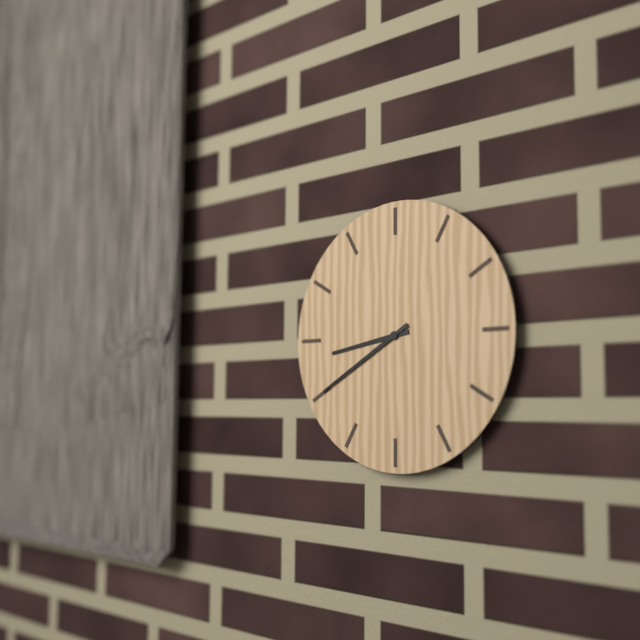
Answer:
8:40
